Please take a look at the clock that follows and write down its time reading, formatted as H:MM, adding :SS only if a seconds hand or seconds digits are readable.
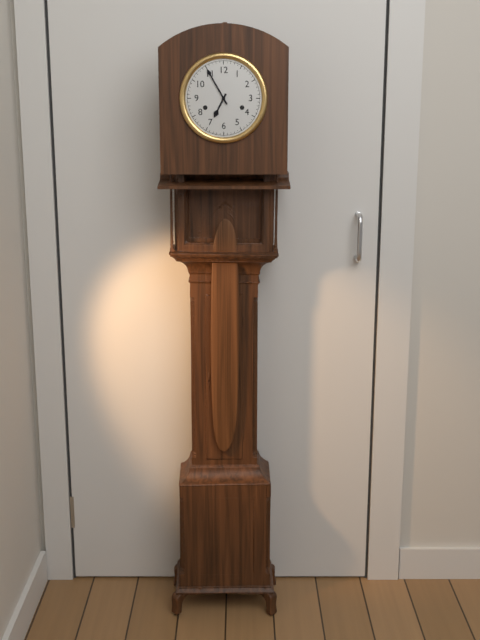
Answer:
6:55
